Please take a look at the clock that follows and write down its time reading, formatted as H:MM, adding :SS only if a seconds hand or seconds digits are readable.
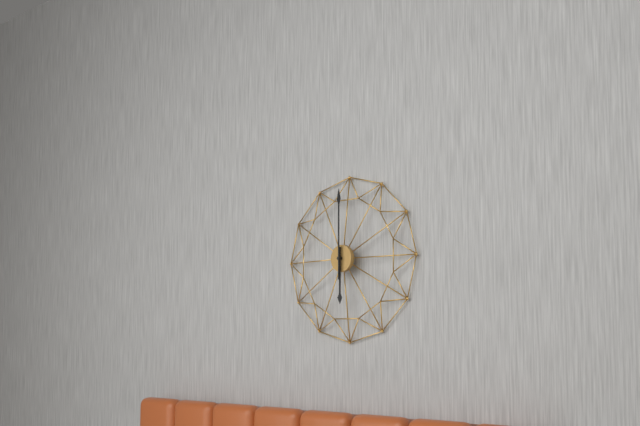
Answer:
6:00
